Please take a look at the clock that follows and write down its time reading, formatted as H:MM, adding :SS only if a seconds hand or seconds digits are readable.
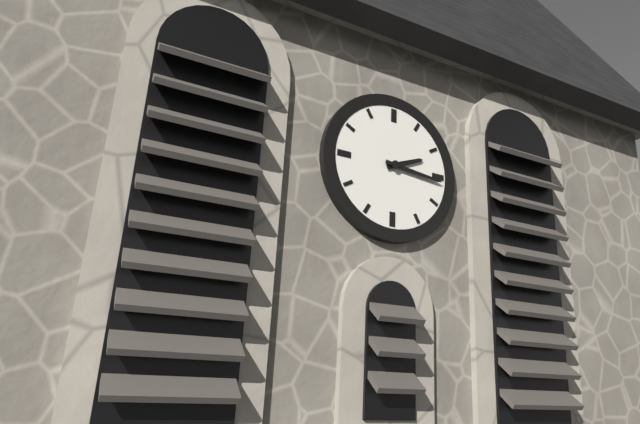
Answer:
2:16
